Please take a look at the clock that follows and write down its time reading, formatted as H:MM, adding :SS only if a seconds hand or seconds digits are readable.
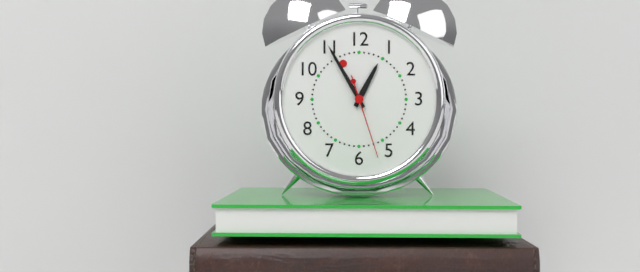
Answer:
12:55:27
